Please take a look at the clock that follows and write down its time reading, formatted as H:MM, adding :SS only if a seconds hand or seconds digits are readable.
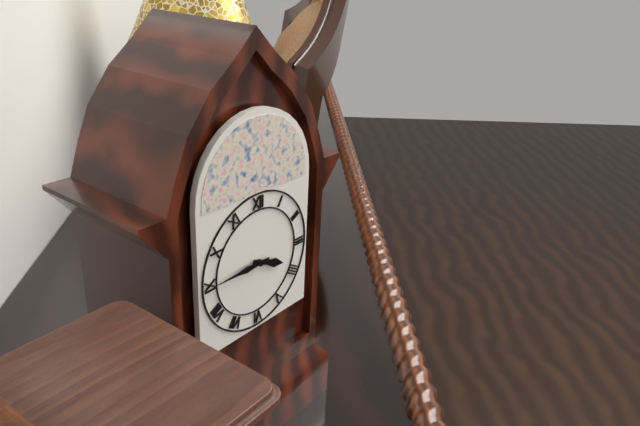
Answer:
3:45
